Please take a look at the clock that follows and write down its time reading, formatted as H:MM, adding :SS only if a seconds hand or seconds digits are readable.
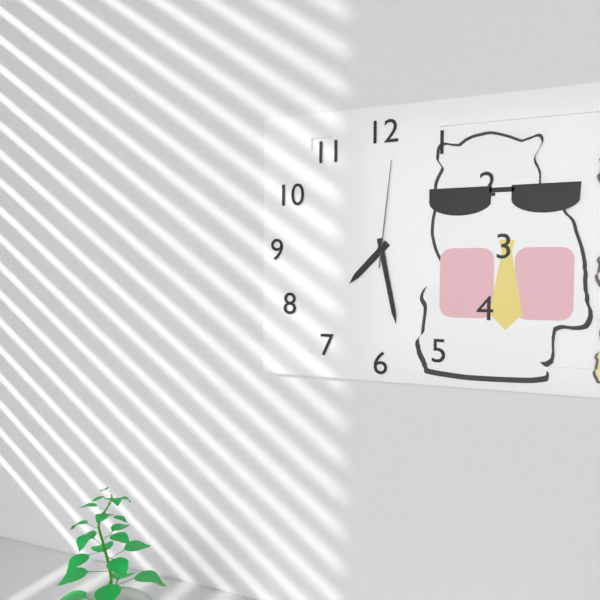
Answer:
7:28:01
